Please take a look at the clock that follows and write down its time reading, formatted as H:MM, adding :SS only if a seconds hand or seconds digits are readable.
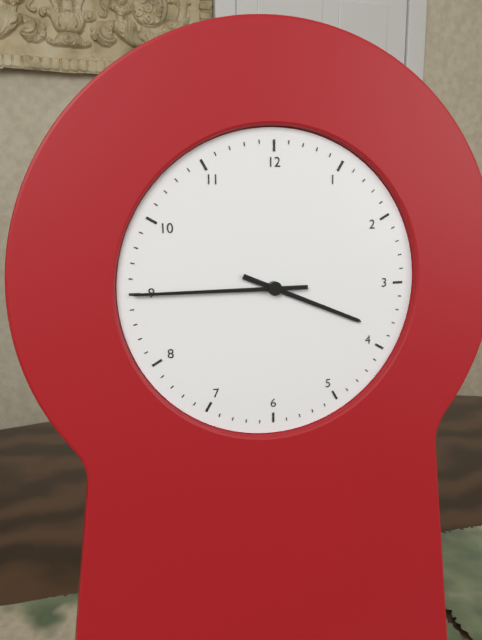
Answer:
3:45
